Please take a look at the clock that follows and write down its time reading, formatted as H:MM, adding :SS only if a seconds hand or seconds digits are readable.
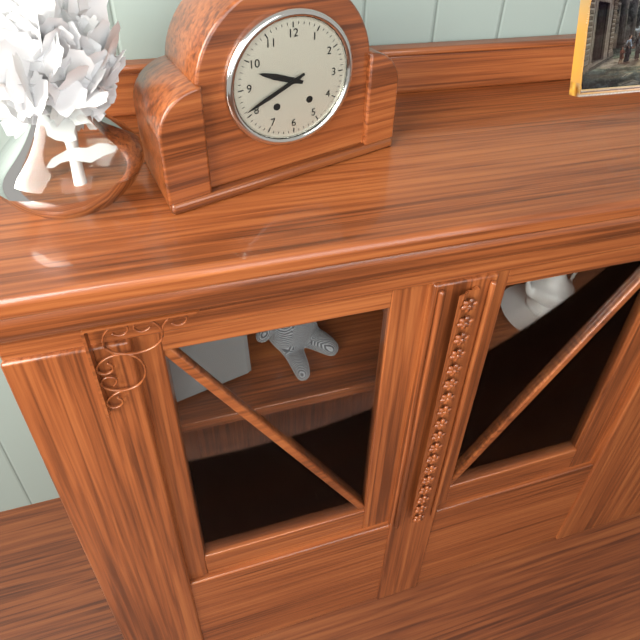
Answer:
9:41
